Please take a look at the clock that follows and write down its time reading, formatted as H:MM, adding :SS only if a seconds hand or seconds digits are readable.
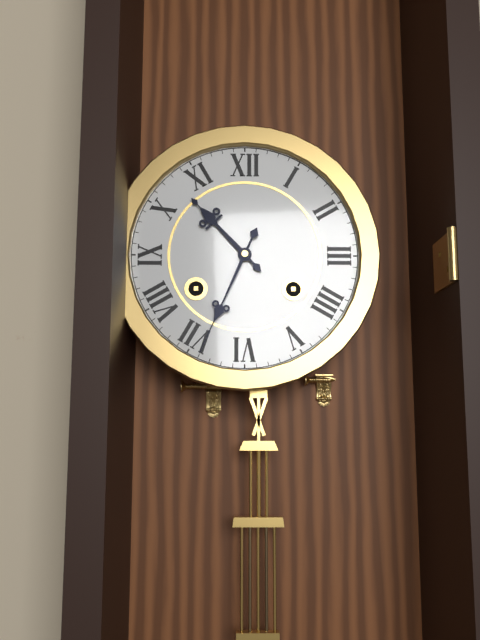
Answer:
10:34
